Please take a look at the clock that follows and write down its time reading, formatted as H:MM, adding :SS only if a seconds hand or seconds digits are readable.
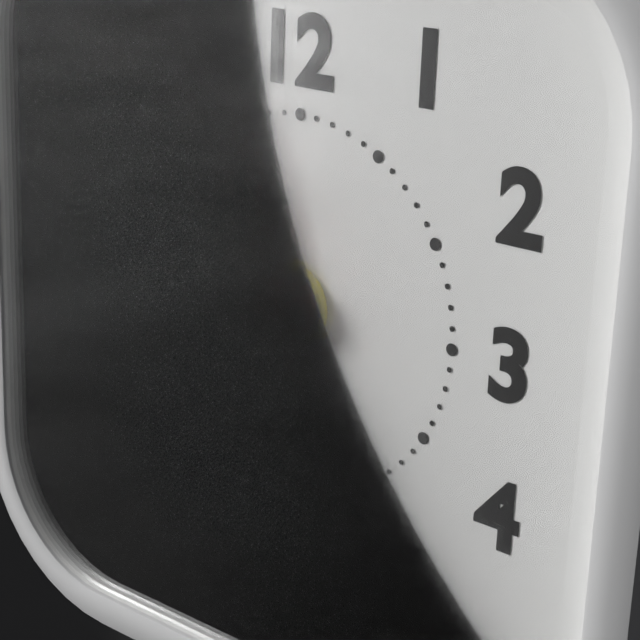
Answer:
5:45:57
